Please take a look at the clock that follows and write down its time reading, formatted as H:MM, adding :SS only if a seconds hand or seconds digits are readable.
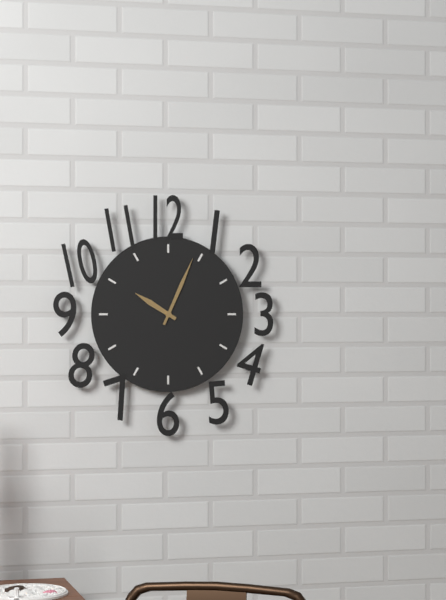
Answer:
10:04
